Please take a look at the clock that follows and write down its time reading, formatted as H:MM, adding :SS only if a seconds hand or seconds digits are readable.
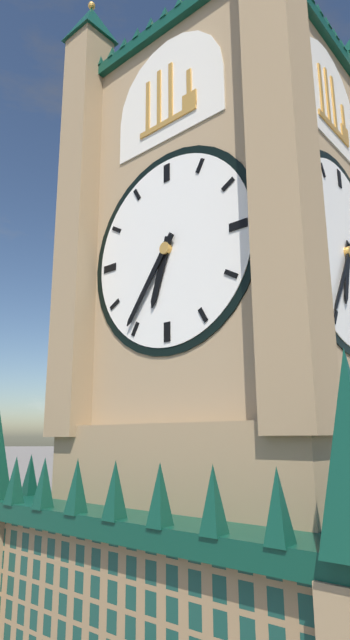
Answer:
6:36
